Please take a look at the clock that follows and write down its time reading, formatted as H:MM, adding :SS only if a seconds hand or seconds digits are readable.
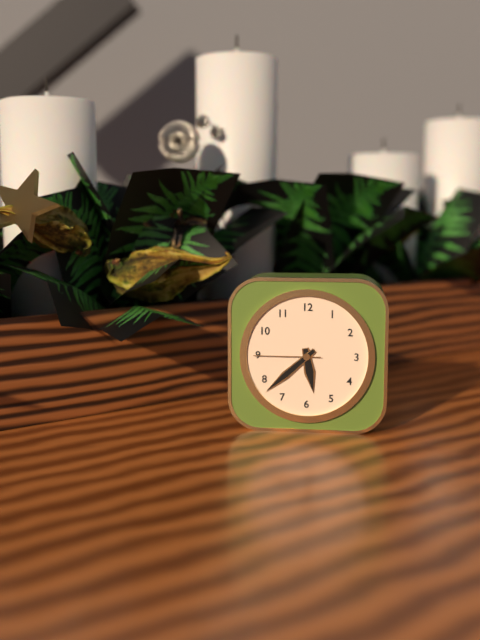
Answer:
5:38:45
